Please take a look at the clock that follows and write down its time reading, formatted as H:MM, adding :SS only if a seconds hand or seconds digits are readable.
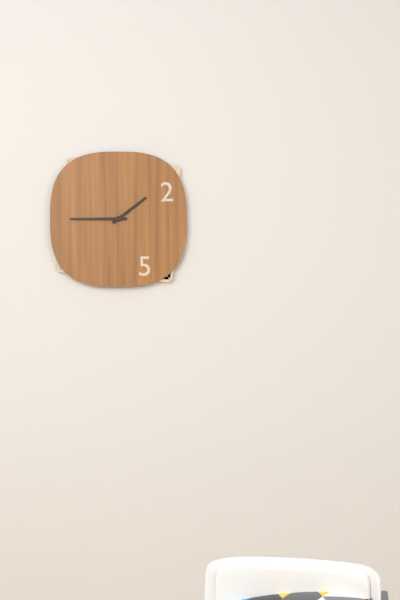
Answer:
1:45
